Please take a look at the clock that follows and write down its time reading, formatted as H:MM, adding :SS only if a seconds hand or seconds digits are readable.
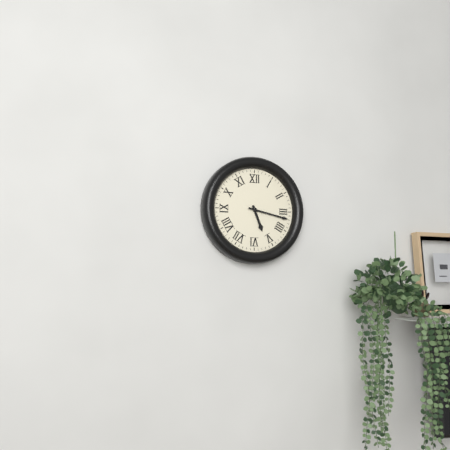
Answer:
5:17
